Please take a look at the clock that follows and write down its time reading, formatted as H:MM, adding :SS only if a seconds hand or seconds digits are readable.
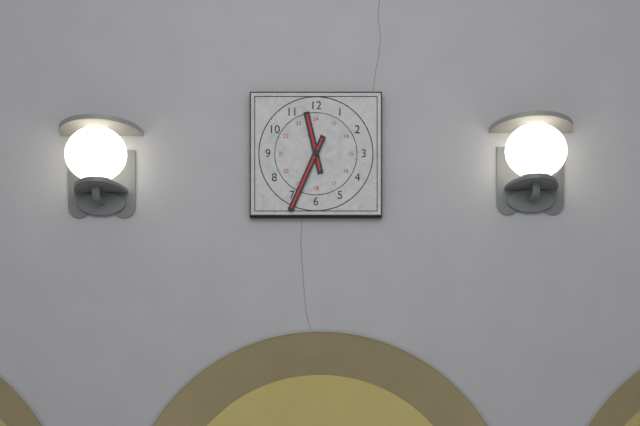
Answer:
11:34
